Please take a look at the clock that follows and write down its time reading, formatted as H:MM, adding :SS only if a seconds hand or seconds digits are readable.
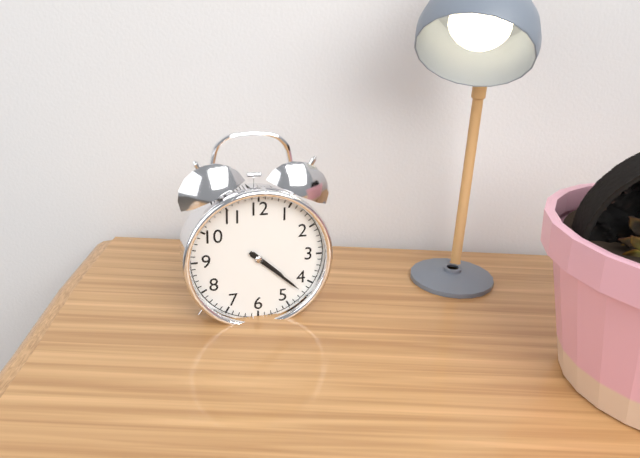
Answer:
4:22
